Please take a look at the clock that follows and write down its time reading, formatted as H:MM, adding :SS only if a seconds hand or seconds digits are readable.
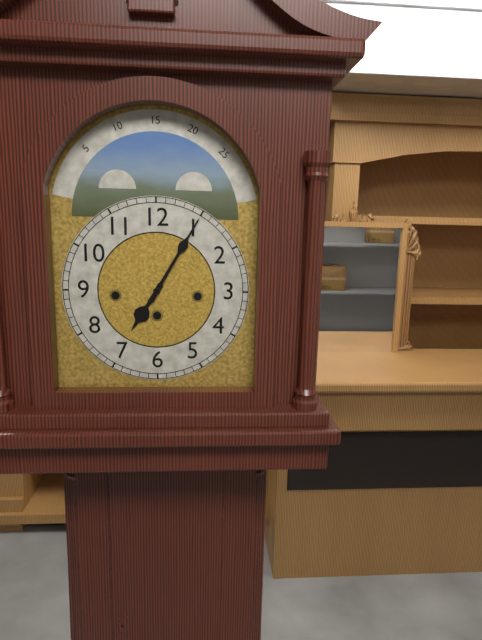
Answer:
7:05
